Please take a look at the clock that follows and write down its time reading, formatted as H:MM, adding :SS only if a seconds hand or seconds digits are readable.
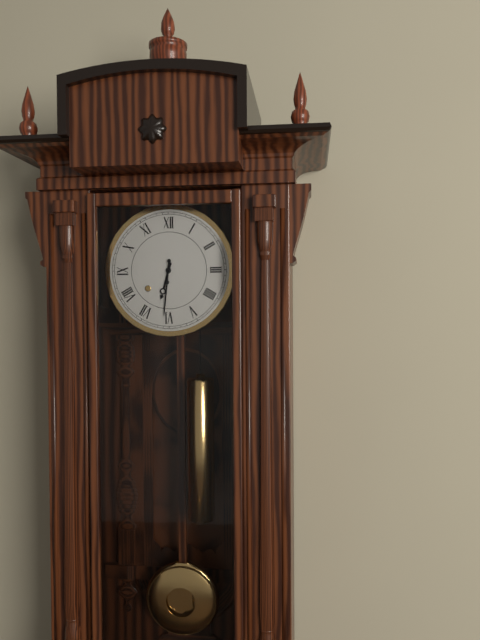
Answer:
6:31
